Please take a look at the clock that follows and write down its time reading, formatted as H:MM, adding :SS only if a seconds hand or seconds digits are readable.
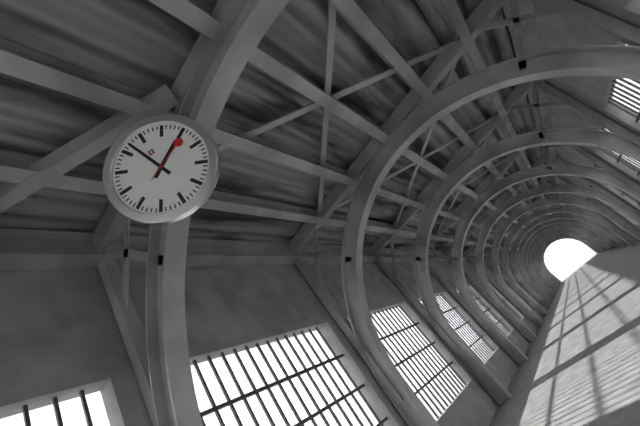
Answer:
1:57
